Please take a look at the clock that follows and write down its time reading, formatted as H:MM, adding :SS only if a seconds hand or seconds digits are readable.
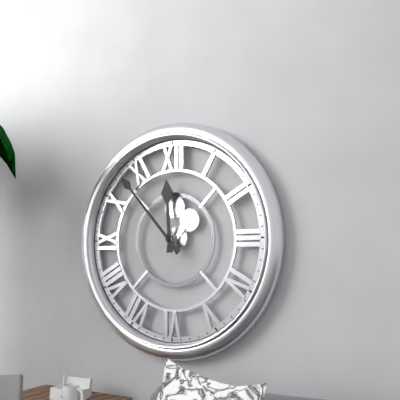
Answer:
11:53
